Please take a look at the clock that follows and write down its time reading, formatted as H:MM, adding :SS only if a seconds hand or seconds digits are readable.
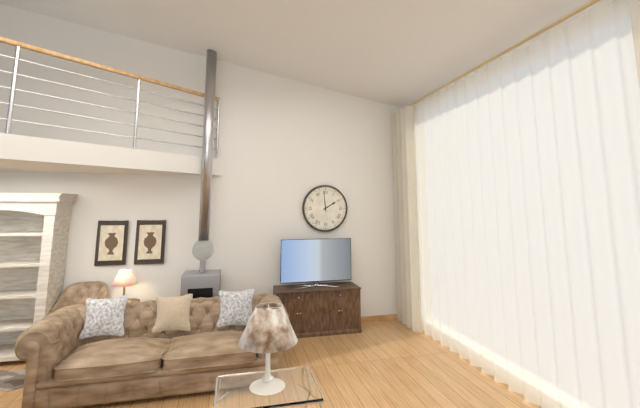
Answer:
1:59
